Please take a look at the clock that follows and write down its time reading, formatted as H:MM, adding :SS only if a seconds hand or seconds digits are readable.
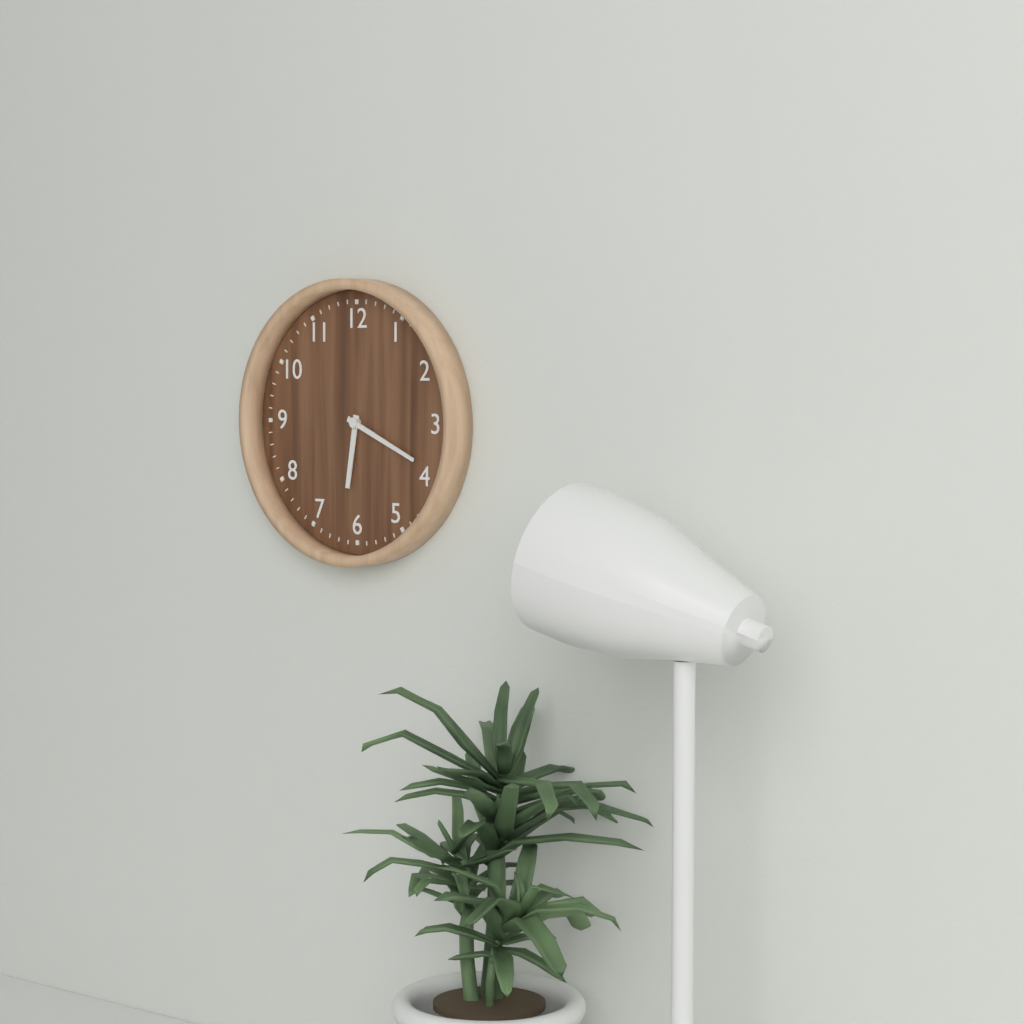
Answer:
6:19
